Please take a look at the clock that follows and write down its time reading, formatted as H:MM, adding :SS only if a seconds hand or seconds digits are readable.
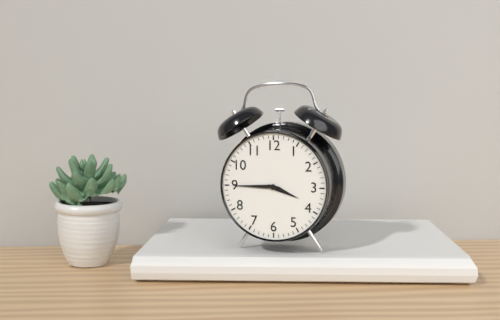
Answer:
3:45
